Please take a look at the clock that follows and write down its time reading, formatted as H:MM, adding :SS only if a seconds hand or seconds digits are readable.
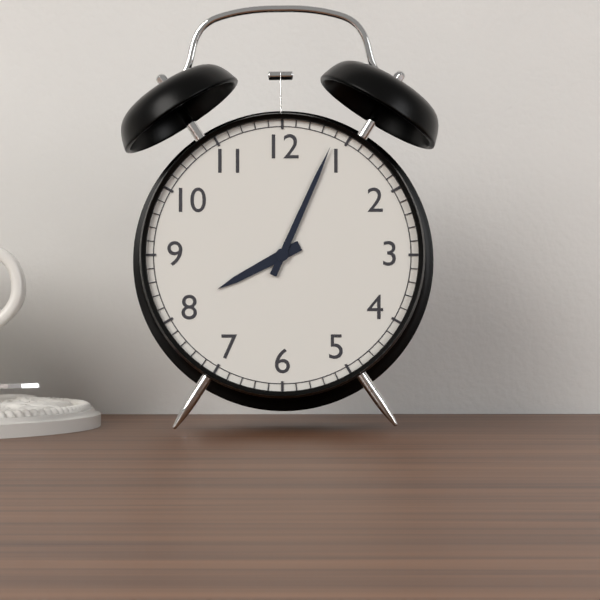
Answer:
8:04
